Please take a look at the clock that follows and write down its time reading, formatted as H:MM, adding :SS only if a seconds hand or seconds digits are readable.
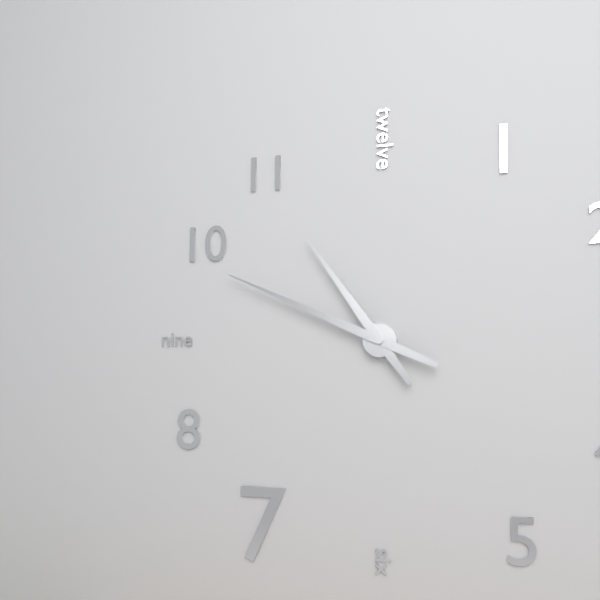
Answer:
10:49
